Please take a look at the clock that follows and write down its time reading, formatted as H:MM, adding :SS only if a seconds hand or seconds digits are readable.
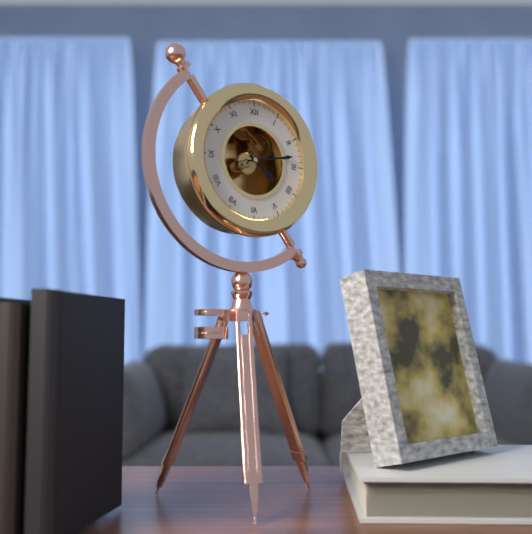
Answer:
4:13
